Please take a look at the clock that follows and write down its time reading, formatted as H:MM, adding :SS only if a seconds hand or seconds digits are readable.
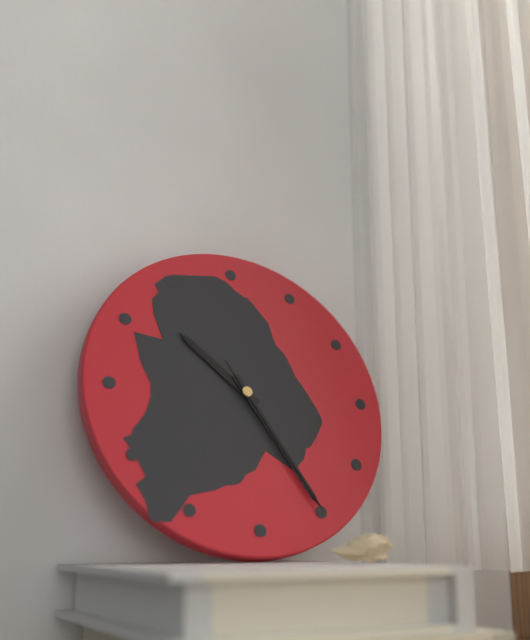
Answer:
10:25:25
